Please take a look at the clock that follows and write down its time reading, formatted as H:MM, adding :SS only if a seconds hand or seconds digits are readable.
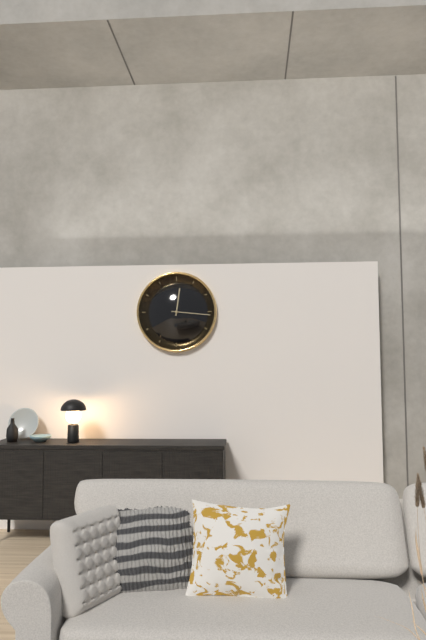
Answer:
12:16
